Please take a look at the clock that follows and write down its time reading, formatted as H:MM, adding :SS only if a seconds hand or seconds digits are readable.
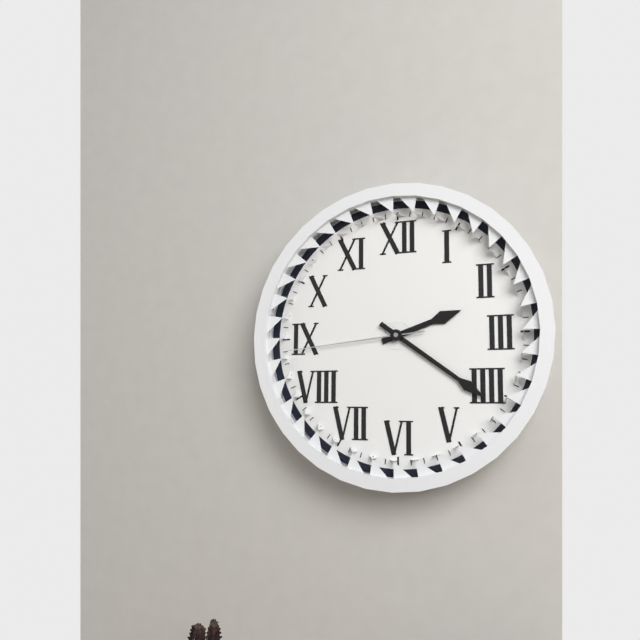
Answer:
2:21:44
